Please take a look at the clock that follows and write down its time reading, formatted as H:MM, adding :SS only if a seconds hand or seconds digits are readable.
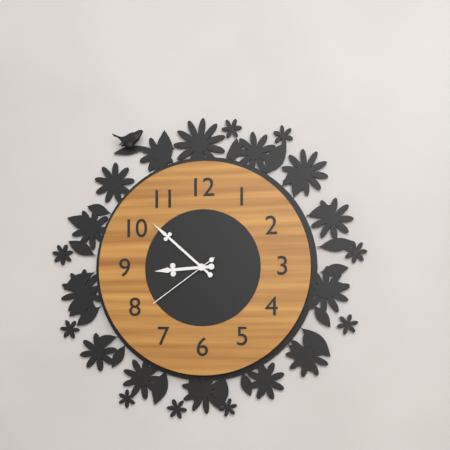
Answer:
8:52:39
